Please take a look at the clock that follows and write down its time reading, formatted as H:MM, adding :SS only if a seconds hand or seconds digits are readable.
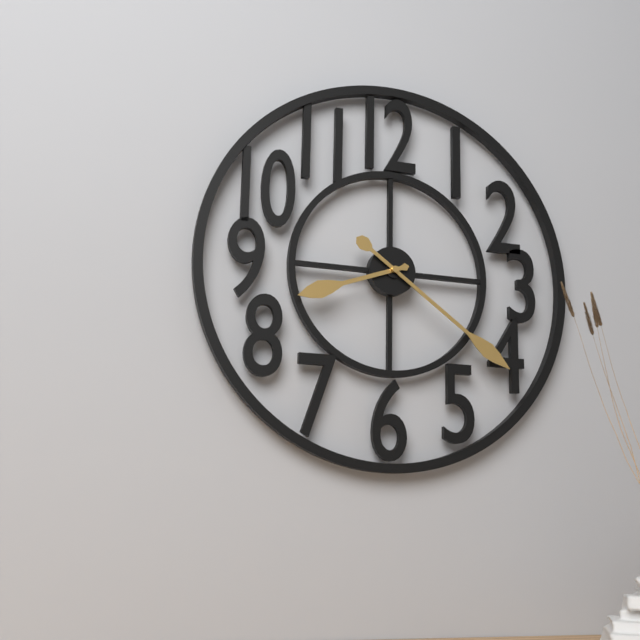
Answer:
8:21
